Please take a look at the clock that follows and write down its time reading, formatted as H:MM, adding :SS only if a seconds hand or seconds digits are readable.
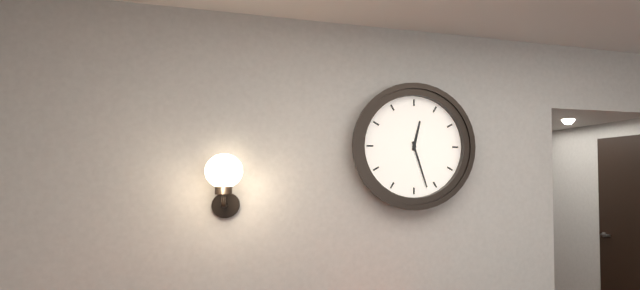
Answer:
12:27
